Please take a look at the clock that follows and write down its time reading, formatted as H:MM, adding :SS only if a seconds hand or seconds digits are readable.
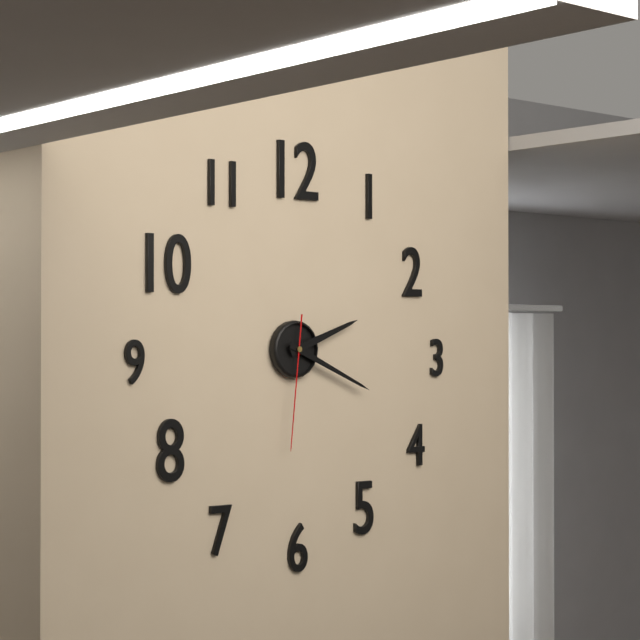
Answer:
2:19:31
